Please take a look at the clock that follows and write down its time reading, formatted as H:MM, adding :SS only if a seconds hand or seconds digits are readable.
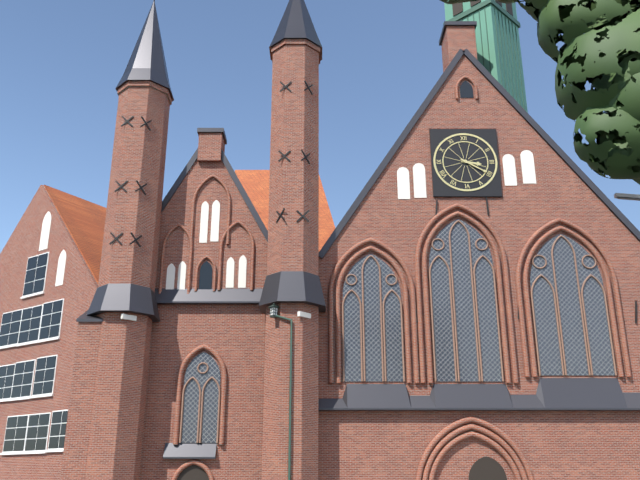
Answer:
3:20
